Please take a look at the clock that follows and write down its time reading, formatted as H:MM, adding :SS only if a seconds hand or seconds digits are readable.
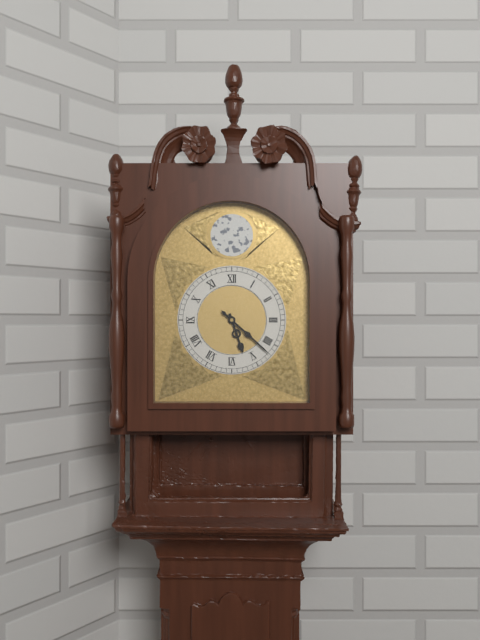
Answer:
5:22
